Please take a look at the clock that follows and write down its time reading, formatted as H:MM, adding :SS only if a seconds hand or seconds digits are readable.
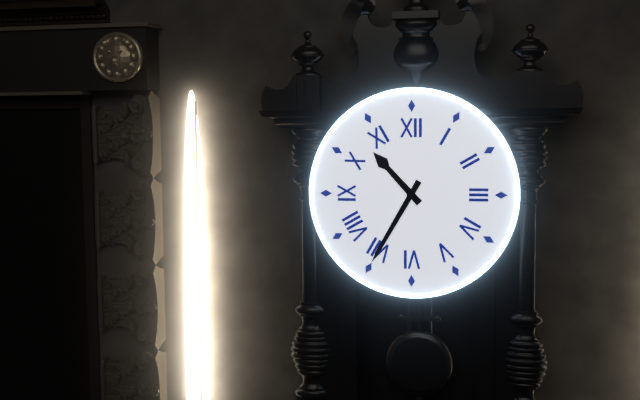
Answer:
10:35
